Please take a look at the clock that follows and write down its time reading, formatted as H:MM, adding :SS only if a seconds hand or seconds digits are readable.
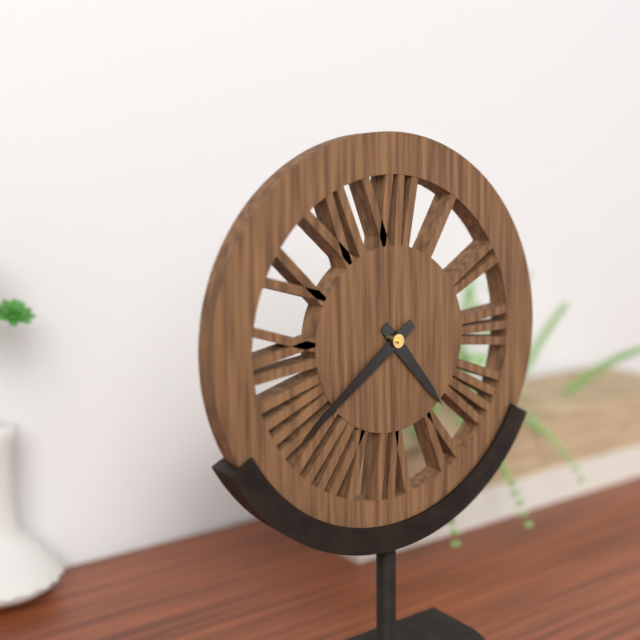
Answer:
4:39
